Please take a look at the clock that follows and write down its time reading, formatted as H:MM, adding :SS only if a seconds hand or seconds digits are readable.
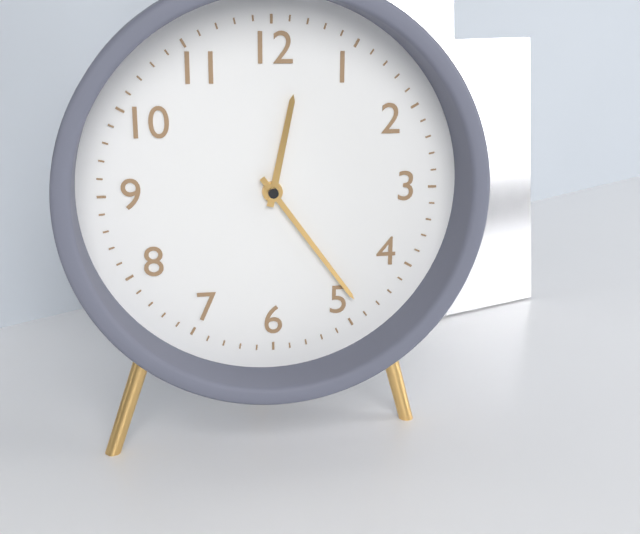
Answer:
12:24
